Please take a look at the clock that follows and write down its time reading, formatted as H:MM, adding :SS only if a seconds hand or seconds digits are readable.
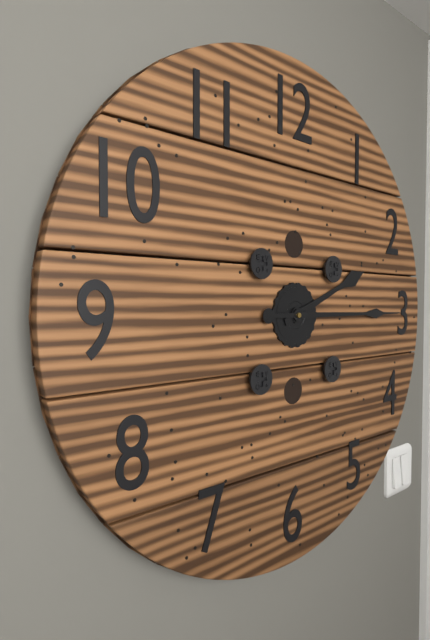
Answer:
2:15
